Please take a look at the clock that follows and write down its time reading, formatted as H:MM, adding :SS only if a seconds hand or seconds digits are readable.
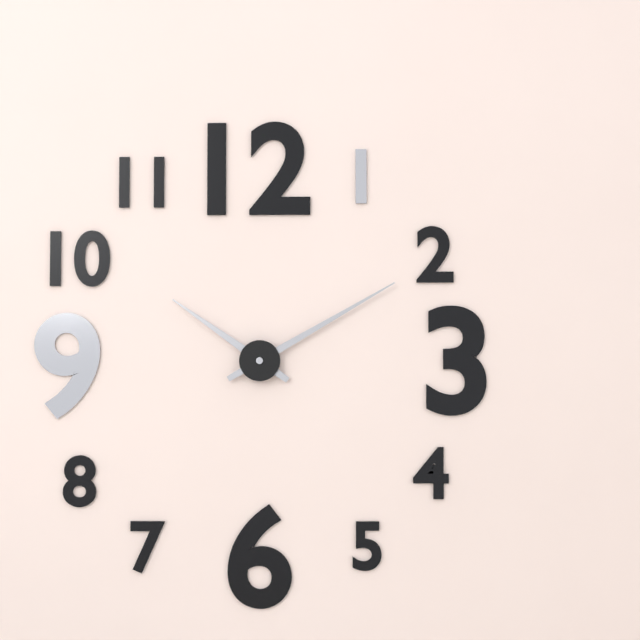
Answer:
10:10
